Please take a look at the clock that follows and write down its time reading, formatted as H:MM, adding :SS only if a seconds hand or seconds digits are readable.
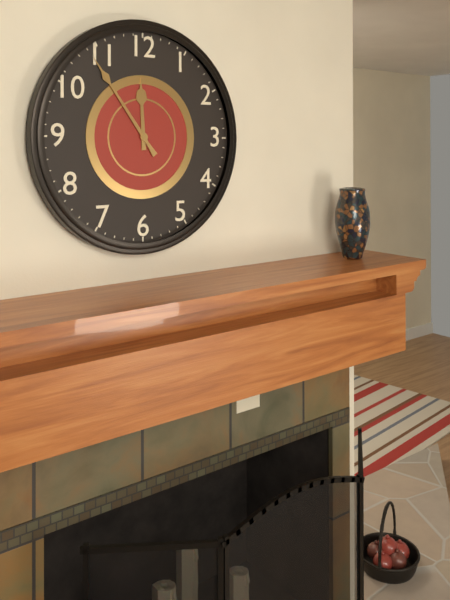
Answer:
11:54
